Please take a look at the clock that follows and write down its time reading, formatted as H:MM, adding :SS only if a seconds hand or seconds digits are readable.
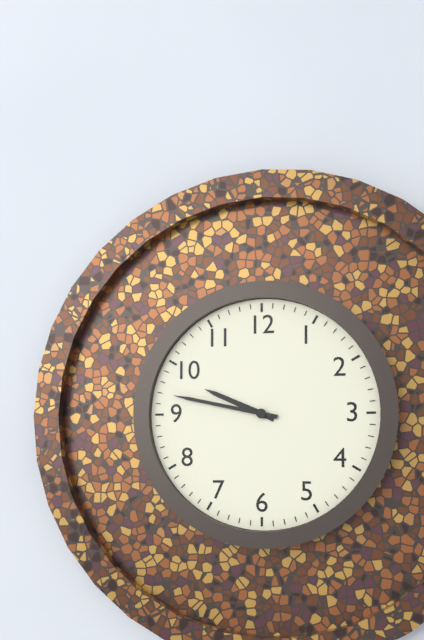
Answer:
9:47
